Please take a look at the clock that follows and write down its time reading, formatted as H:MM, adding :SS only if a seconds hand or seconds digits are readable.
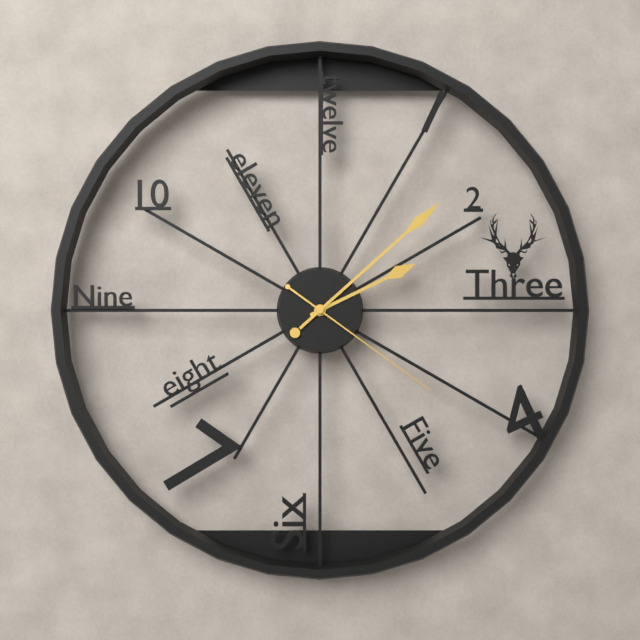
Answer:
2:08:21
